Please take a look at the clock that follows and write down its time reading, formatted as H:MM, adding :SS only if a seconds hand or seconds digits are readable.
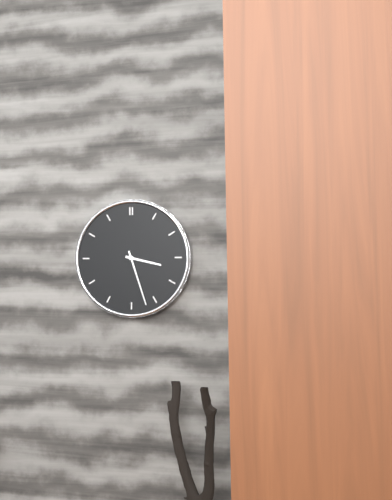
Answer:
3:27
